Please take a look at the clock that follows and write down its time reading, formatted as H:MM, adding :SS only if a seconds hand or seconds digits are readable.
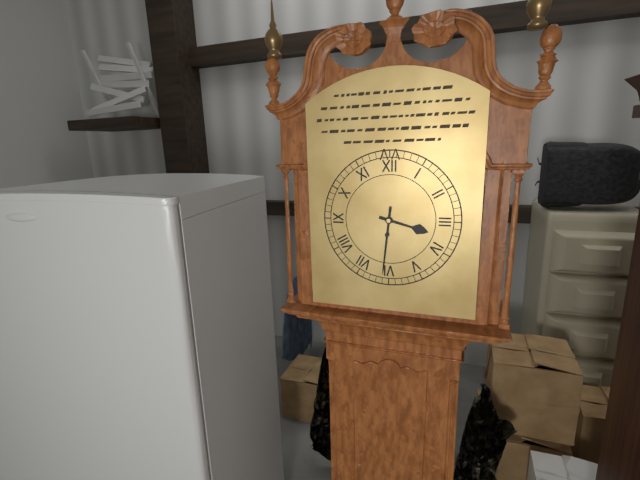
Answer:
3:31
